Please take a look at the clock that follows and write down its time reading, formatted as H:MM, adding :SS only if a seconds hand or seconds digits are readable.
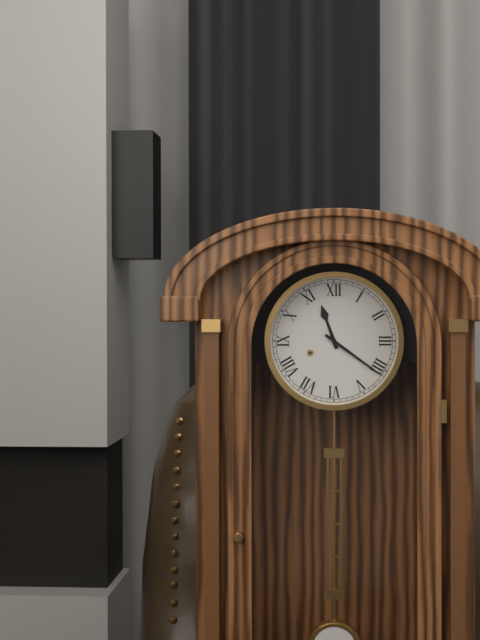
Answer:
11:21
